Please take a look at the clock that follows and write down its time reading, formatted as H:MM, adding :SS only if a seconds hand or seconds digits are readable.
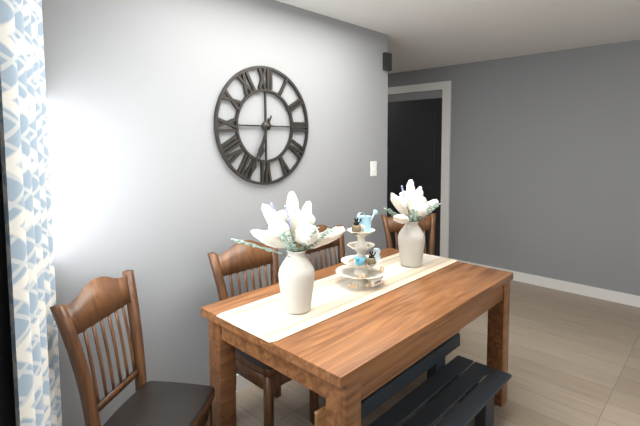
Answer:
6:34
